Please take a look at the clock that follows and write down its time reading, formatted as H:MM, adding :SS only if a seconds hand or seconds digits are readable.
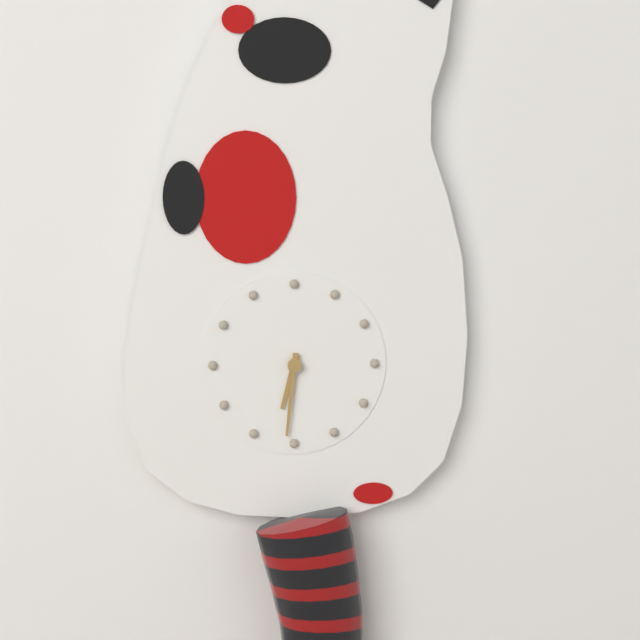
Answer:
6:31
